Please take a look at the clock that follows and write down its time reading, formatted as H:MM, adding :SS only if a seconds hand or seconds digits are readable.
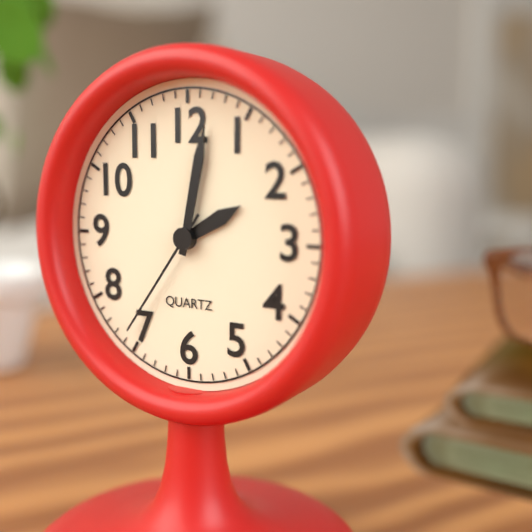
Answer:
2:02:36
